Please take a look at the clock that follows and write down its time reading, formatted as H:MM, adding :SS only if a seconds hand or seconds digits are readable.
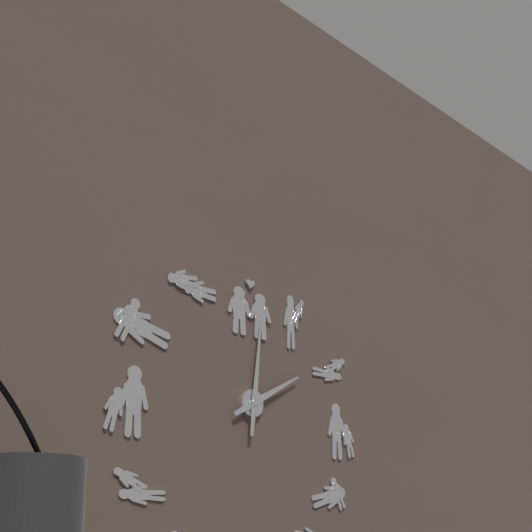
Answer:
2:01
